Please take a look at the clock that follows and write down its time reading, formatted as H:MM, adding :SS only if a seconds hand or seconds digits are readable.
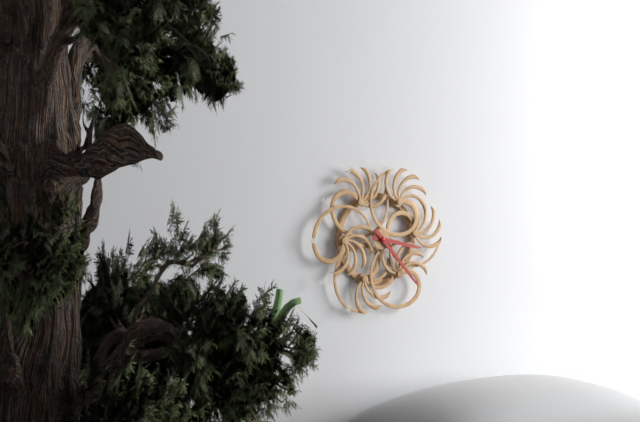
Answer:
3:23
